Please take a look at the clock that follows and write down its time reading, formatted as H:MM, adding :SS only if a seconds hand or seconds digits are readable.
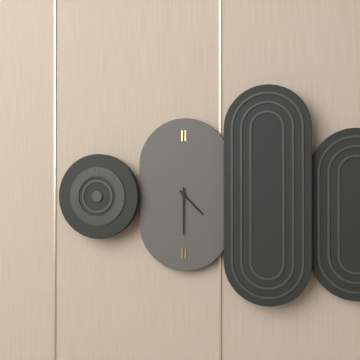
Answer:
4:30
